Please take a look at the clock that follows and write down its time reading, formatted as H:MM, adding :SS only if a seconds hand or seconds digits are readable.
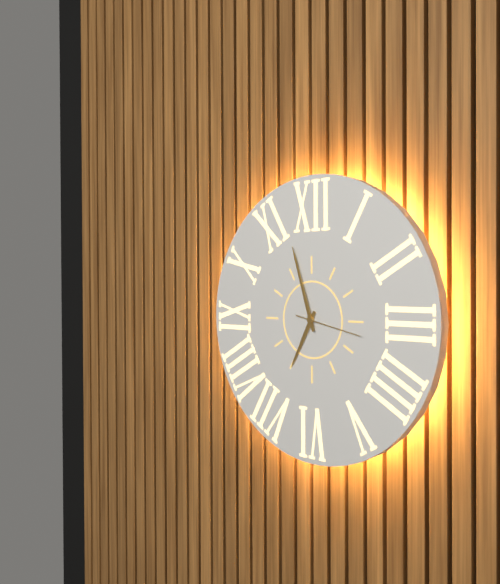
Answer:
6:57:17
